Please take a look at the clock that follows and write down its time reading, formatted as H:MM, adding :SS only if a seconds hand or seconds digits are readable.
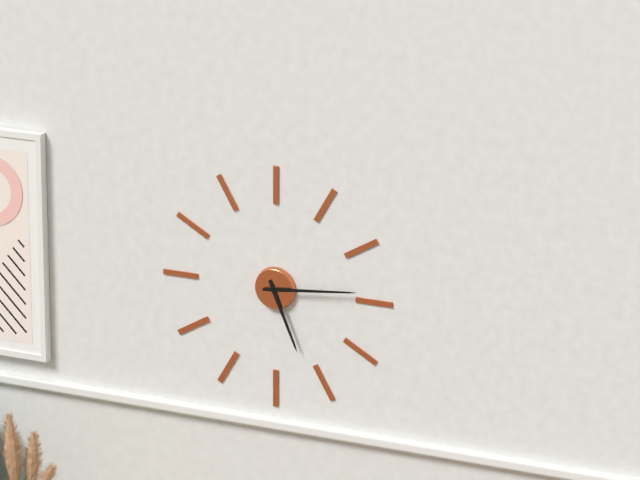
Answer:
5:14
